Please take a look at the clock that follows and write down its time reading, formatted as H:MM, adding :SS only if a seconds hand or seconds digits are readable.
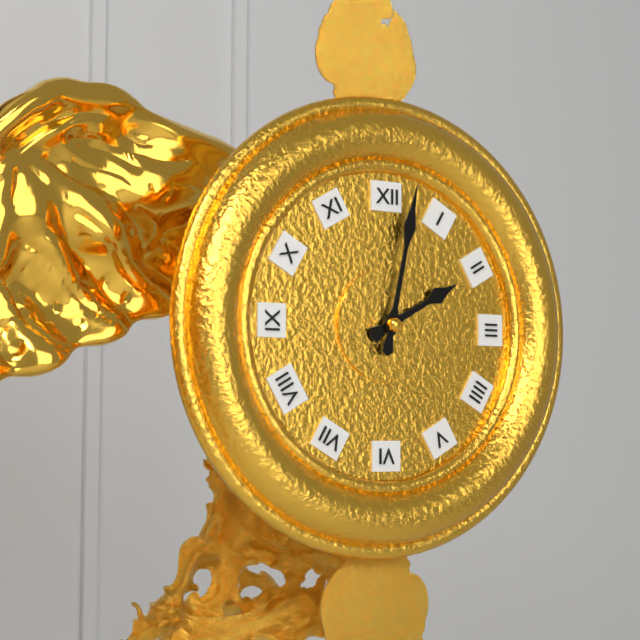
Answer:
2:02
